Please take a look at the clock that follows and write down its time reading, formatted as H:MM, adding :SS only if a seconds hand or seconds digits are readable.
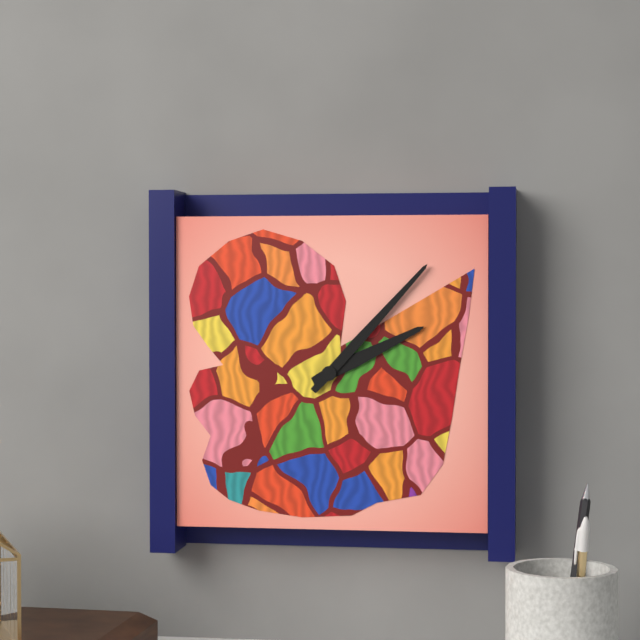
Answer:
2:07
